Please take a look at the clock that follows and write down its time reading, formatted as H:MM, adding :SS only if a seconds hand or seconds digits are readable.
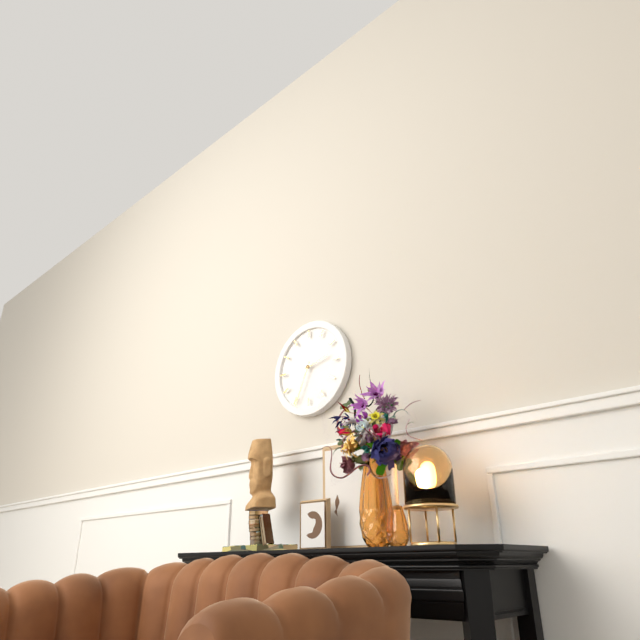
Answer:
2:34
